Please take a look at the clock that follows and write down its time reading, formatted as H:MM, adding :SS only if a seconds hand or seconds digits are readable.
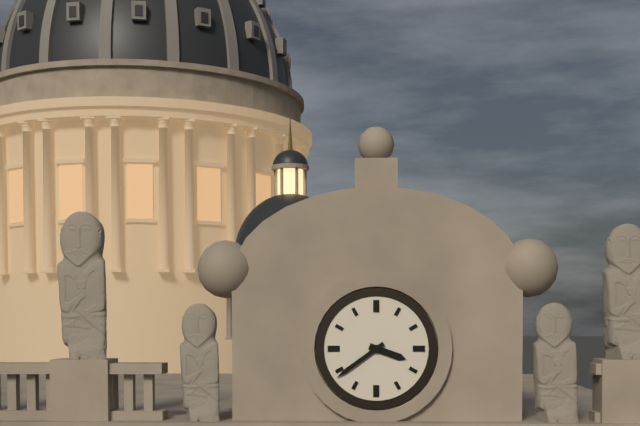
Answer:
3:39
